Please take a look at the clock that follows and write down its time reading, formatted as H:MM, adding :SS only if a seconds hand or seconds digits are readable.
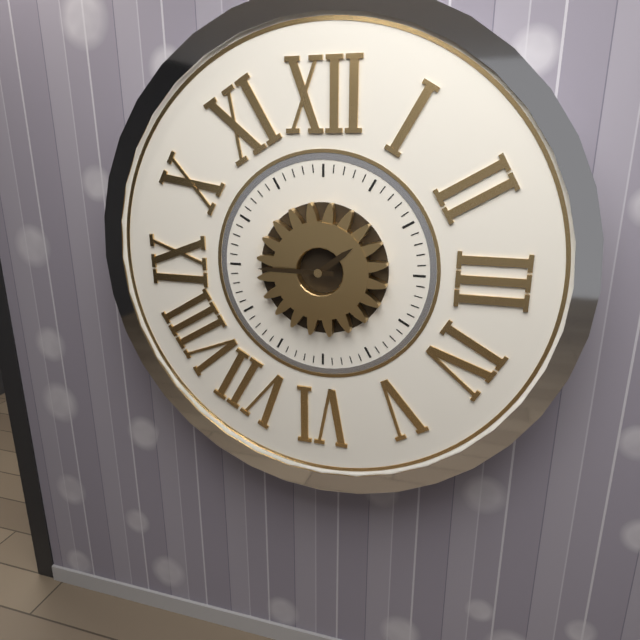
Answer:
1:45
